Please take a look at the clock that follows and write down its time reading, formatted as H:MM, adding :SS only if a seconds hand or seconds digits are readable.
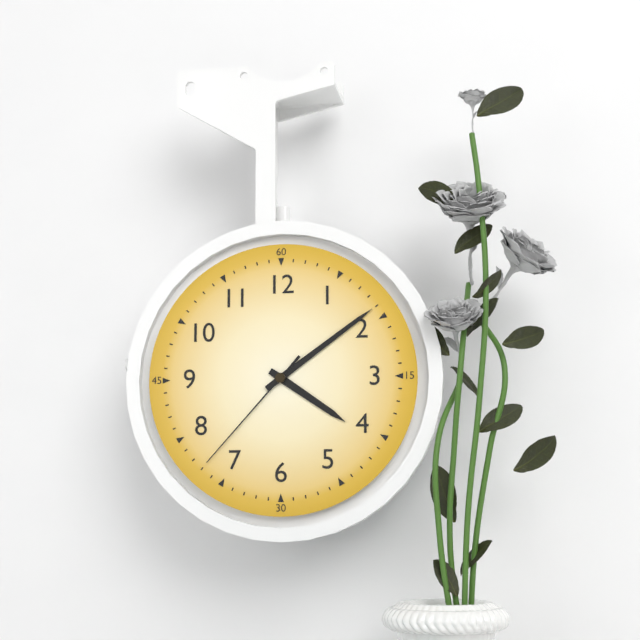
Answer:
4:09:37
